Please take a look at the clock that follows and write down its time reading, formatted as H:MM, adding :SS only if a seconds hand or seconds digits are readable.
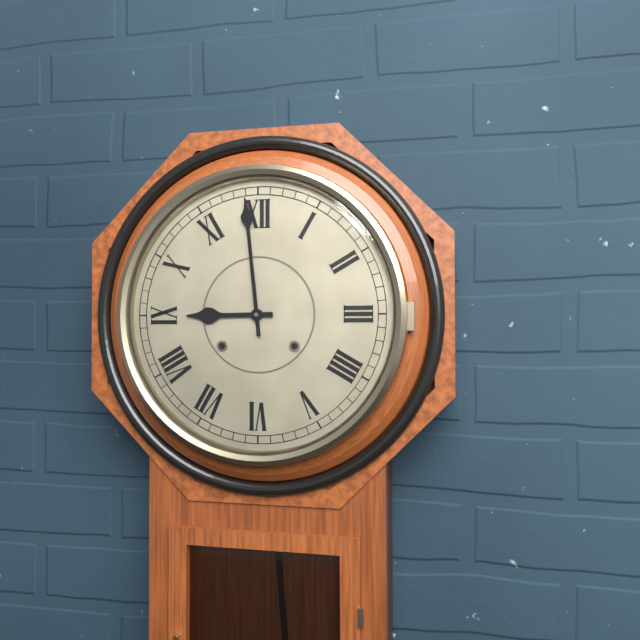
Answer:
8:59
